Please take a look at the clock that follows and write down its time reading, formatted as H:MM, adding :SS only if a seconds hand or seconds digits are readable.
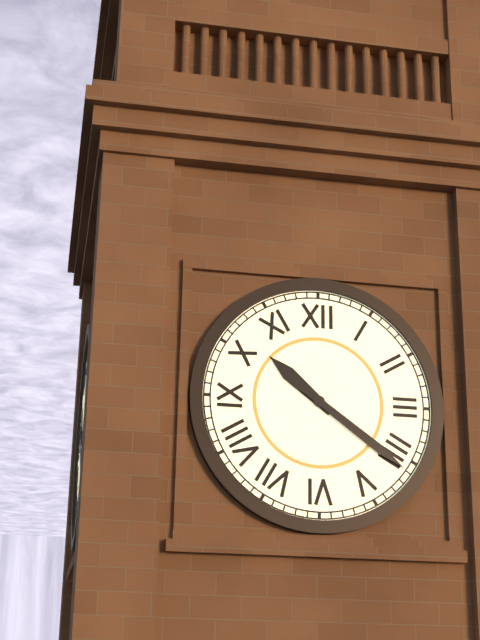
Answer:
10:21
